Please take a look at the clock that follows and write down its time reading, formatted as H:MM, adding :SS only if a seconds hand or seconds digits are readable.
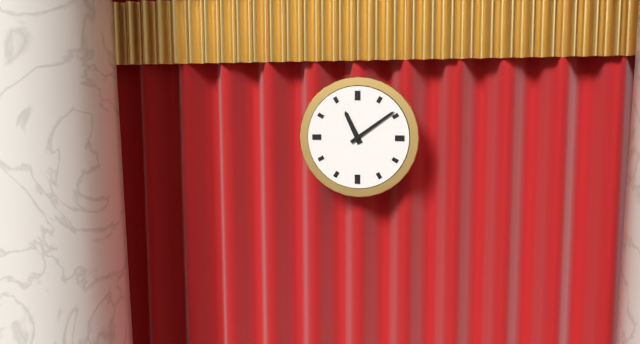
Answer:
11:09
